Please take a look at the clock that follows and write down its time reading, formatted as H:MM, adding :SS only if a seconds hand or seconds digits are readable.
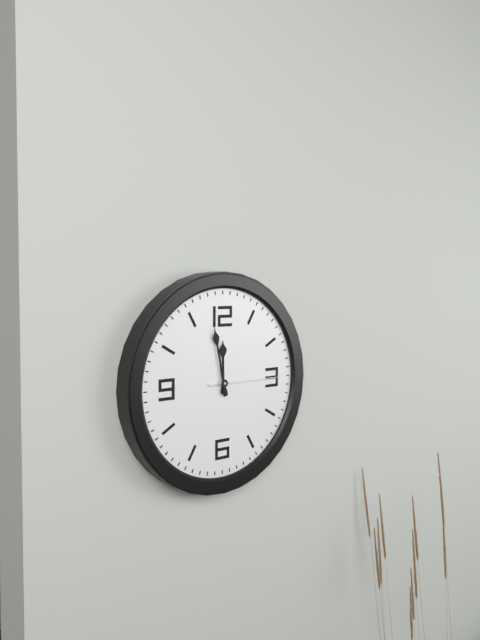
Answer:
11:58:15
